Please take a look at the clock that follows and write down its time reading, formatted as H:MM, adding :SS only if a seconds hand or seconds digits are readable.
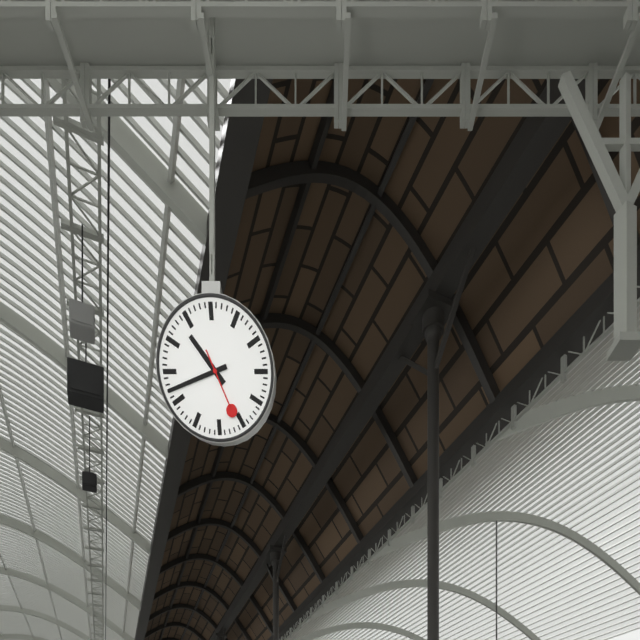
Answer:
10:42:26
